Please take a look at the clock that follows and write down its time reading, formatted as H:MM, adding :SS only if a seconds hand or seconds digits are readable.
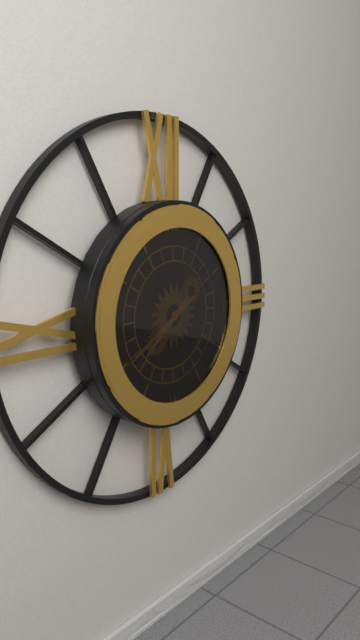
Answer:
7:40
